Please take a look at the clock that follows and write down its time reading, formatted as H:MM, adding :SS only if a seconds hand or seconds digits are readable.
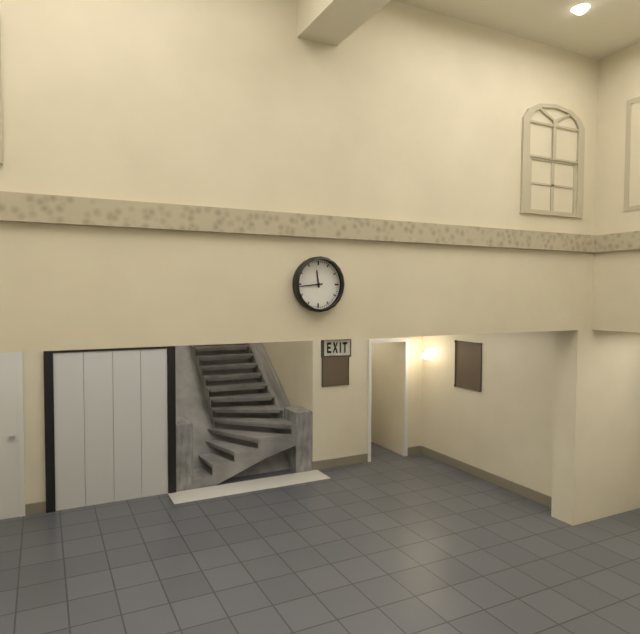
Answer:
11:44
